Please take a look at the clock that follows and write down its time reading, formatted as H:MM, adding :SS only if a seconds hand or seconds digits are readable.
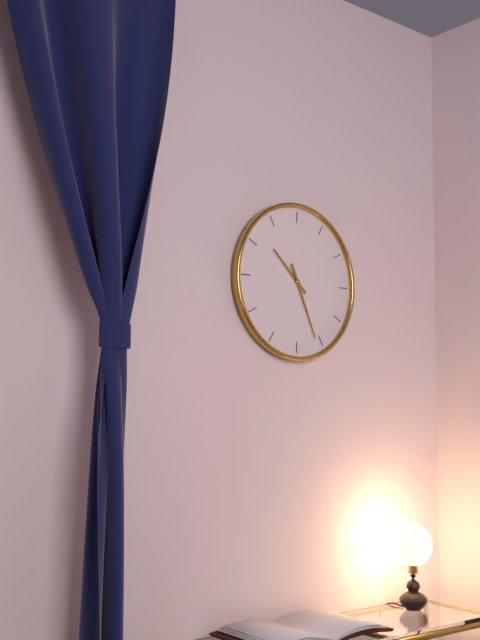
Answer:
10:26
